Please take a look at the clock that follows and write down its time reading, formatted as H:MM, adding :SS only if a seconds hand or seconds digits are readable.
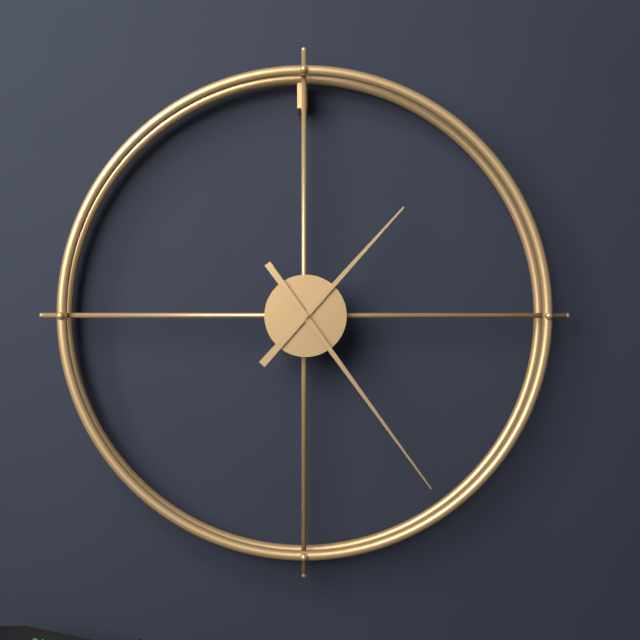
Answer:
1:24
